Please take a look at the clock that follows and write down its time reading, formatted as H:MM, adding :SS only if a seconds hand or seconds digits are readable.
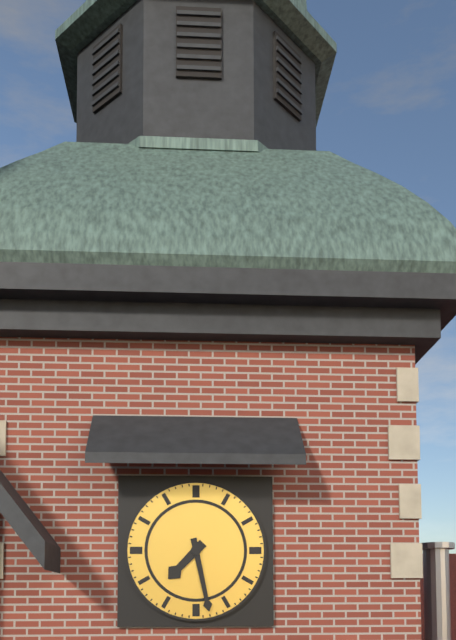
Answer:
7:28
